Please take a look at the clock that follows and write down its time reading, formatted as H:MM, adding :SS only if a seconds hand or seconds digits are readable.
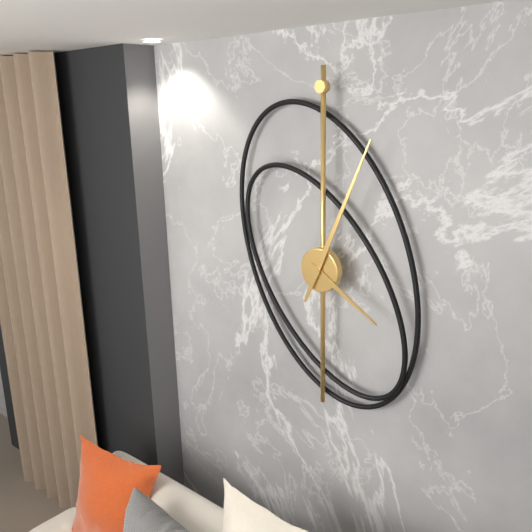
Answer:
4:04
